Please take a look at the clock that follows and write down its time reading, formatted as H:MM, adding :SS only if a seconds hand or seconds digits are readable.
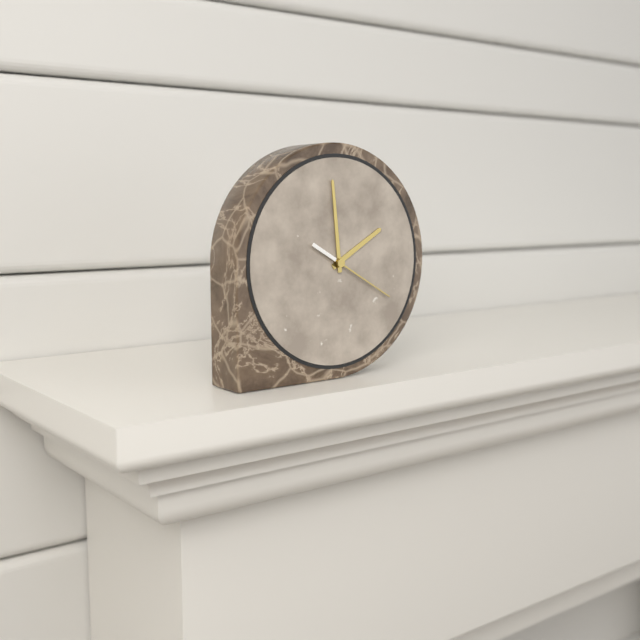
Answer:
1:59:20
